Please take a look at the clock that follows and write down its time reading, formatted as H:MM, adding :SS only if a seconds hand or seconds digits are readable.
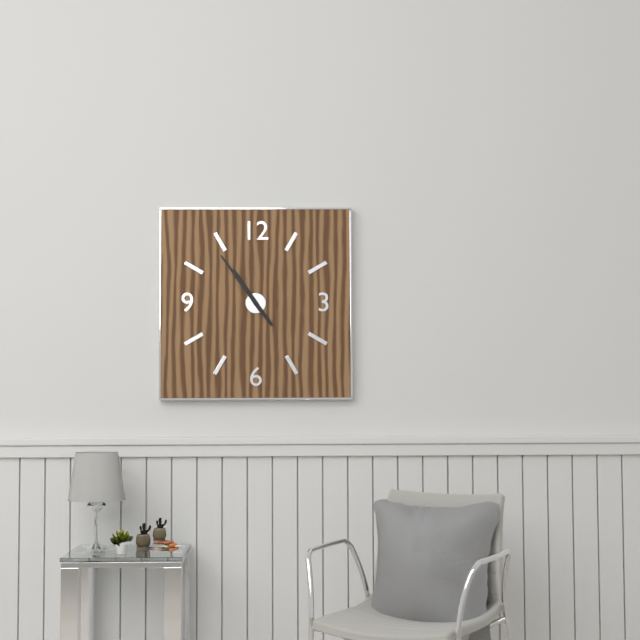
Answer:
10:54
